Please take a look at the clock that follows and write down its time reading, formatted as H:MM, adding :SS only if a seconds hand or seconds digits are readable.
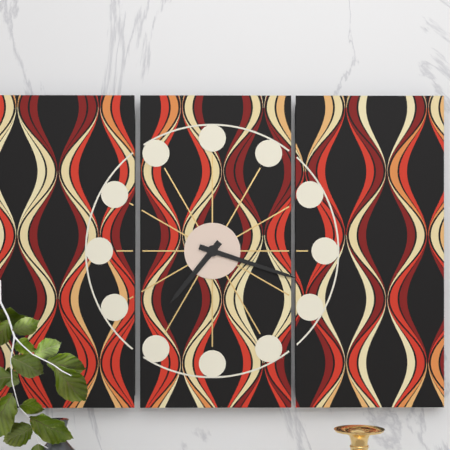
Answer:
7:18
